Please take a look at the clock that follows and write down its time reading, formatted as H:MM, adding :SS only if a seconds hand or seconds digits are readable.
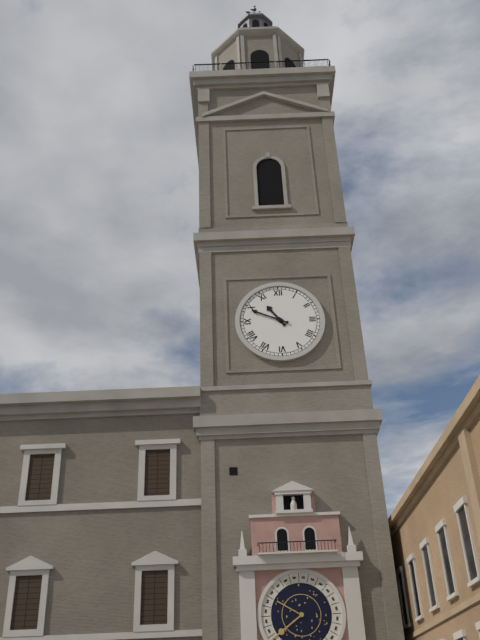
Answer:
10:49
